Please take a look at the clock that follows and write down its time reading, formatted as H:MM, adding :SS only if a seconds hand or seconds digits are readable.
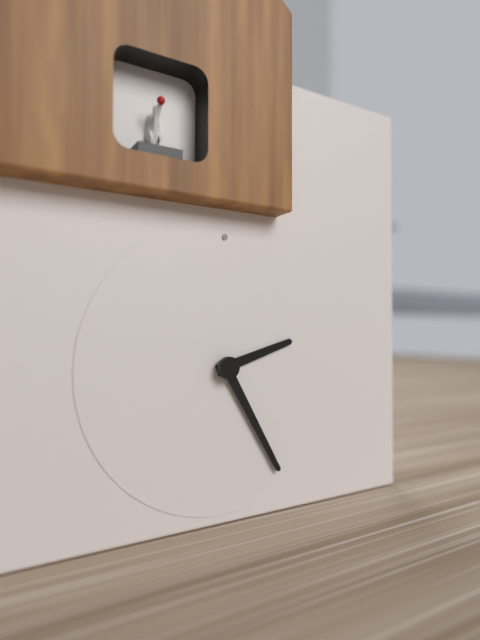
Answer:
2:25
